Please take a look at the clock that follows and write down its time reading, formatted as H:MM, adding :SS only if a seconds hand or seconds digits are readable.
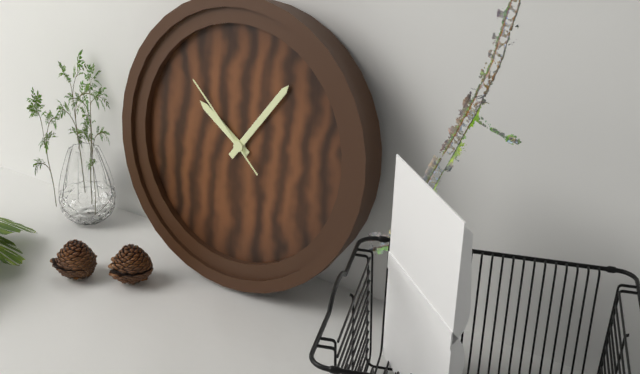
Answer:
10:06:52
